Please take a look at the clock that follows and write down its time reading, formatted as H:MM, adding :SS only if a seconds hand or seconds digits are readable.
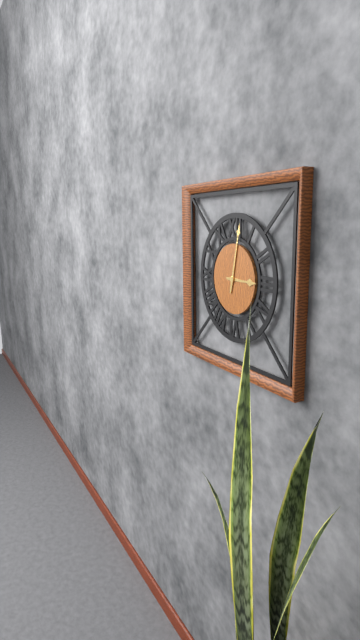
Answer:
3:02
